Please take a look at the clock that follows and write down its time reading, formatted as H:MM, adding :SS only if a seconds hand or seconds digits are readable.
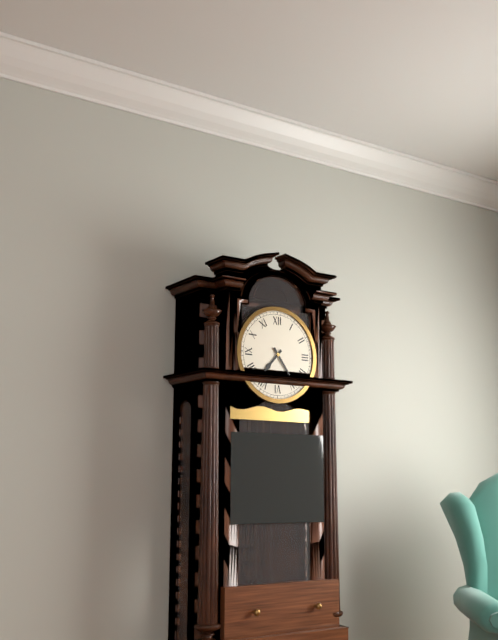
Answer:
7:24
